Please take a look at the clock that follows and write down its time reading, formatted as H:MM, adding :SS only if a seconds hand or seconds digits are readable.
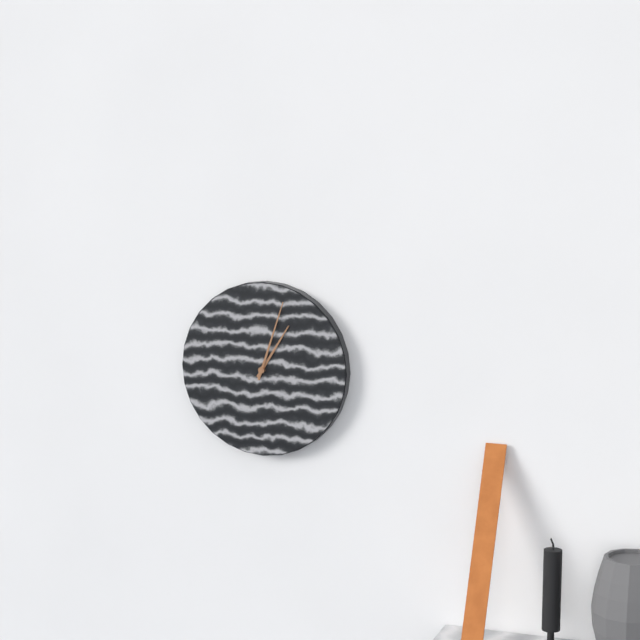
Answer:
1:03
